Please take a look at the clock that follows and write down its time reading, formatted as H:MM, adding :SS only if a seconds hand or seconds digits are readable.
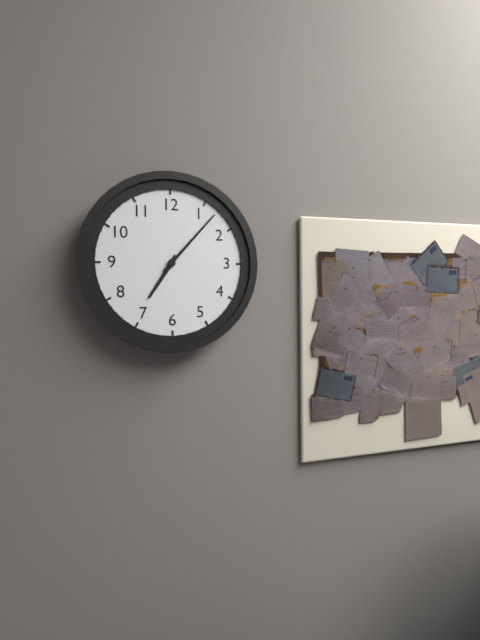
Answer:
7:07
